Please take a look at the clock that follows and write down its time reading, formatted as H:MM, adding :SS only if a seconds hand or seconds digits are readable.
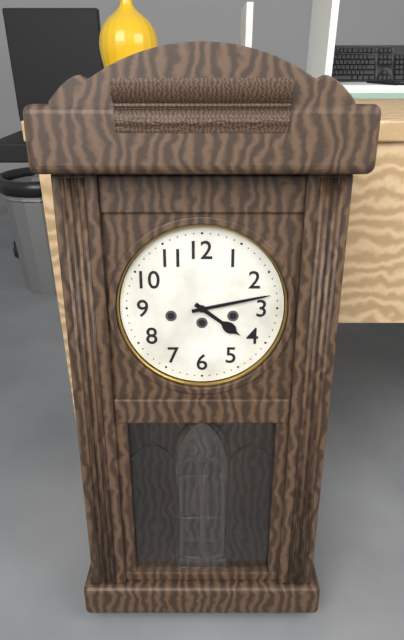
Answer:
4:13
